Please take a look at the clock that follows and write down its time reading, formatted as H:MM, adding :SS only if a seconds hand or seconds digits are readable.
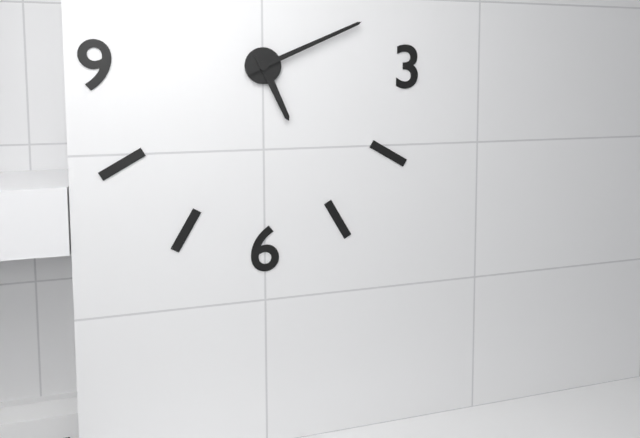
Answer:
5:11
